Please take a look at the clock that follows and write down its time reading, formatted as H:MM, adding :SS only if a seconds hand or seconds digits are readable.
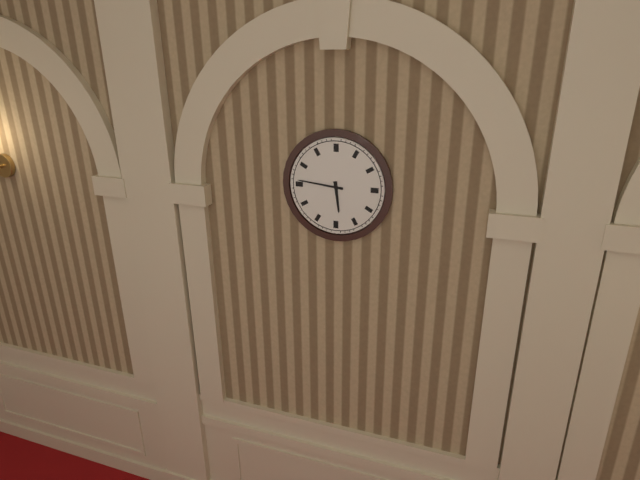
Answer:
5:46
